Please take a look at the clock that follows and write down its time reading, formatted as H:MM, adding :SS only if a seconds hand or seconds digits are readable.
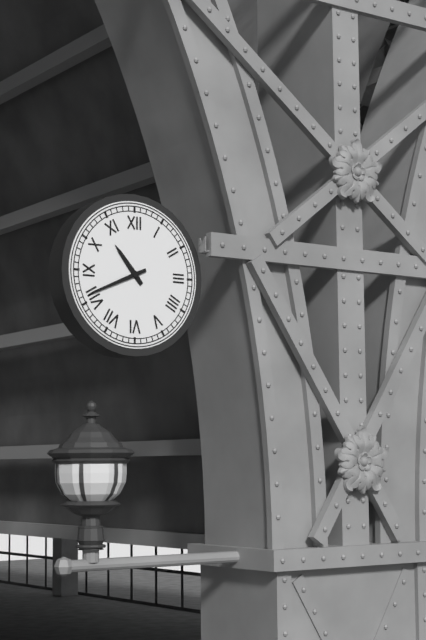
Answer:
10:41
